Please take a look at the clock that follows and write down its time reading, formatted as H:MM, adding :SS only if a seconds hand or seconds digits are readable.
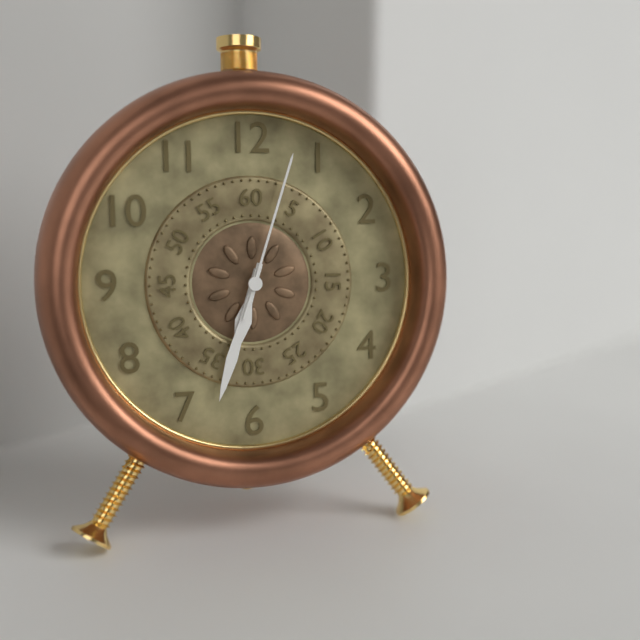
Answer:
6:33:03
